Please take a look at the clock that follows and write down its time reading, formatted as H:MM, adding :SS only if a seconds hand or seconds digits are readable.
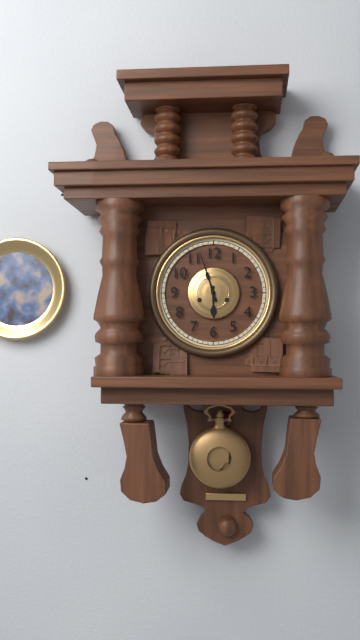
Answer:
5:57
